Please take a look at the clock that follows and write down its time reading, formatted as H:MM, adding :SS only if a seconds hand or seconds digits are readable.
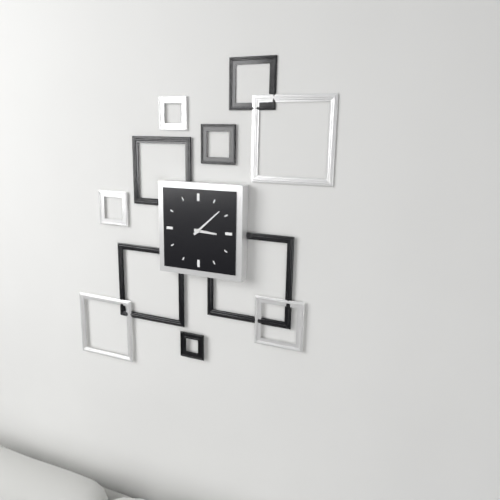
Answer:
3:08
